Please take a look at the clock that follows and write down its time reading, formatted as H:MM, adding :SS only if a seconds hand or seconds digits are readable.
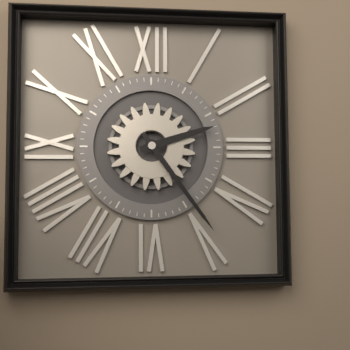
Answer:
2:24
